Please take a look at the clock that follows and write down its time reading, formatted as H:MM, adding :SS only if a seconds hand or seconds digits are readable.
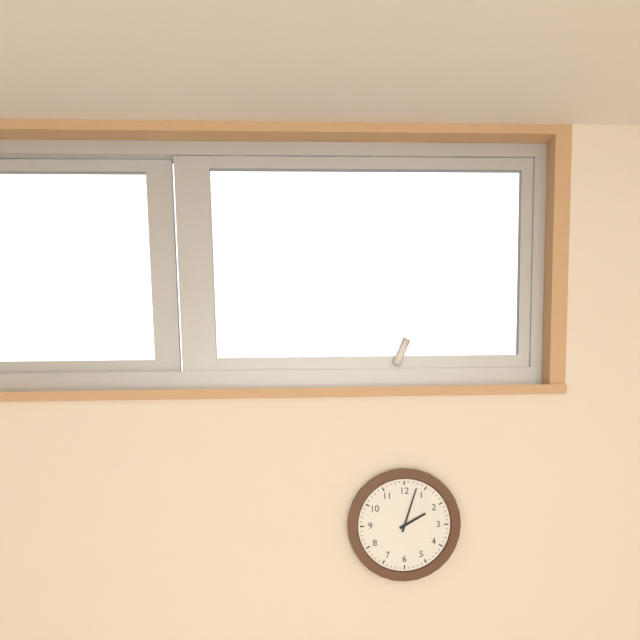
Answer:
2:03
